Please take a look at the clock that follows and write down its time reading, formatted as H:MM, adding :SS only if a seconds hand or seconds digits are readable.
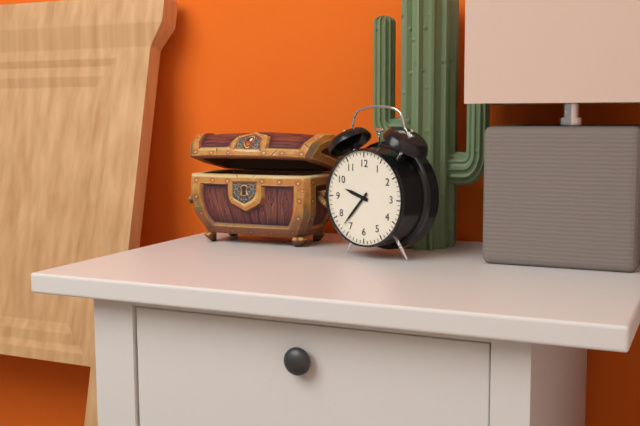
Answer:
9:37
